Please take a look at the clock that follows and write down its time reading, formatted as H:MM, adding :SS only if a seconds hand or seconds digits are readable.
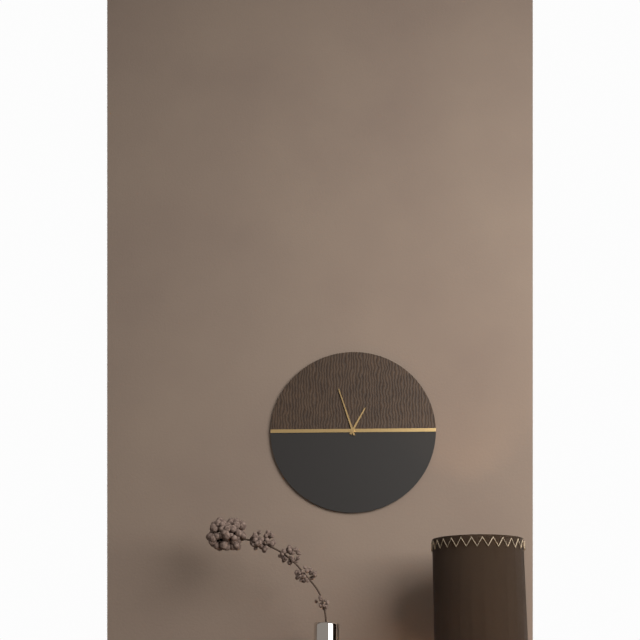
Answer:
12:57
